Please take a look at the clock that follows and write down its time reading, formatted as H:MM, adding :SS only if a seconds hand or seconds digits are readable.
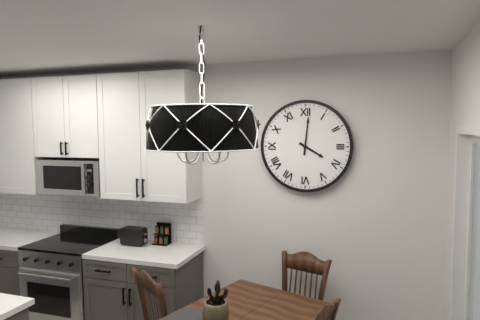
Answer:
4:01
